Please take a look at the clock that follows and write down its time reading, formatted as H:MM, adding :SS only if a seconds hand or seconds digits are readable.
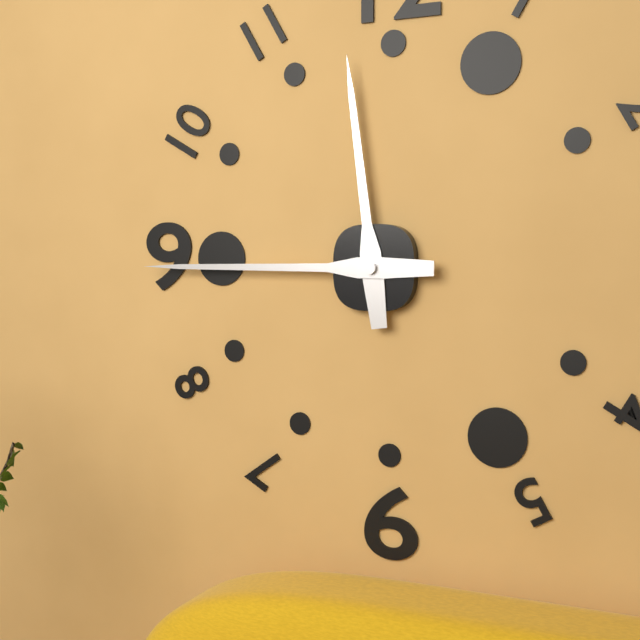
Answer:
11:45
